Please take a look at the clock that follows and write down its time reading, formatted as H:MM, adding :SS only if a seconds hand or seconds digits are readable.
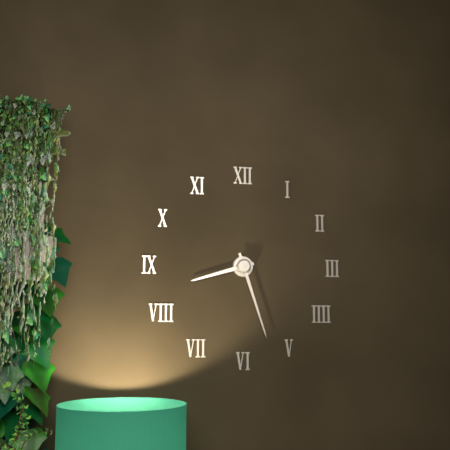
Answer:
8:27
